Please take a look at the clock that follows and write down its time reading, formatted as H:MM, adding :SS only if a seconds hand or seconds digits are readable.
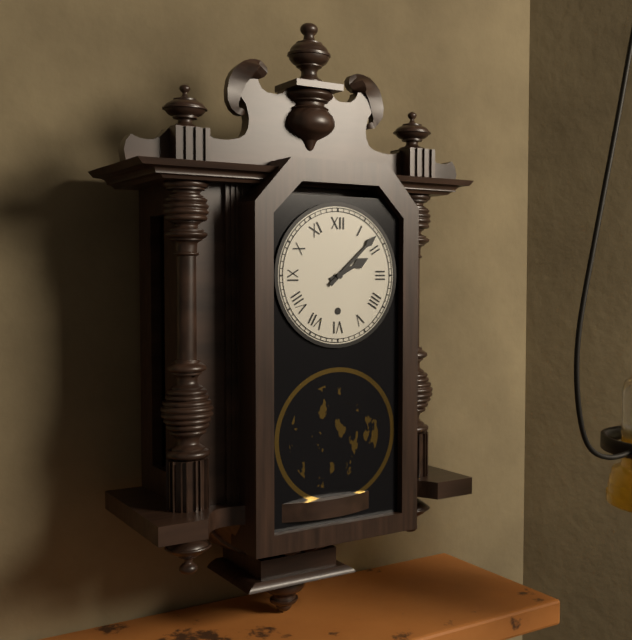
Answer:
2:08
